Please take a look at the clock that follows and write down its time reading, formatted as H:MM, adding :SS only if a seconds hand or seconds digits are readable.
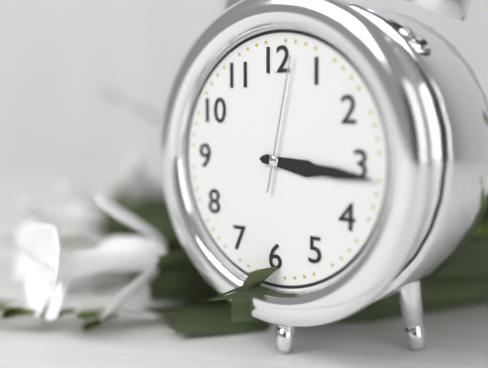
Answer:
3:16:02
